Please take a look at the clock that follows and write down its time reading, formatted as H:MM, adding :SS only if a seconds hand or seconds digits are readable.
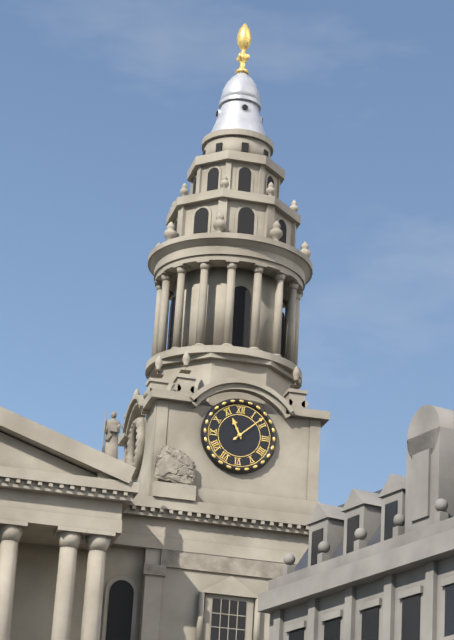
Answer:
11:08
